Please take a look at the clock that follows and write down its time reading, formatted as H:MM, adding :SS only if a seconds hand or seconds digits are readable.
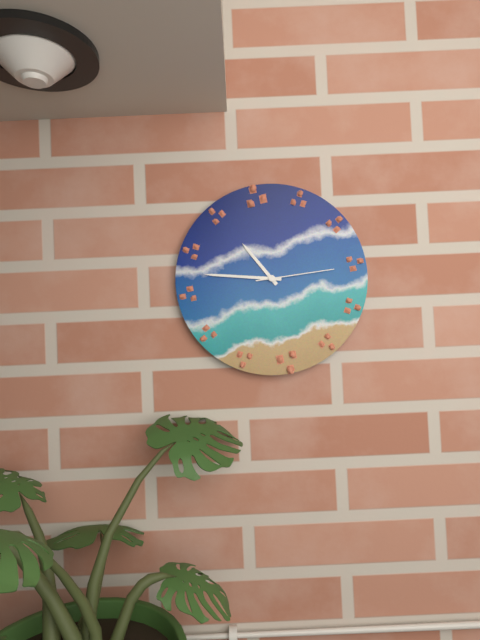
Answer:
10:46:14
